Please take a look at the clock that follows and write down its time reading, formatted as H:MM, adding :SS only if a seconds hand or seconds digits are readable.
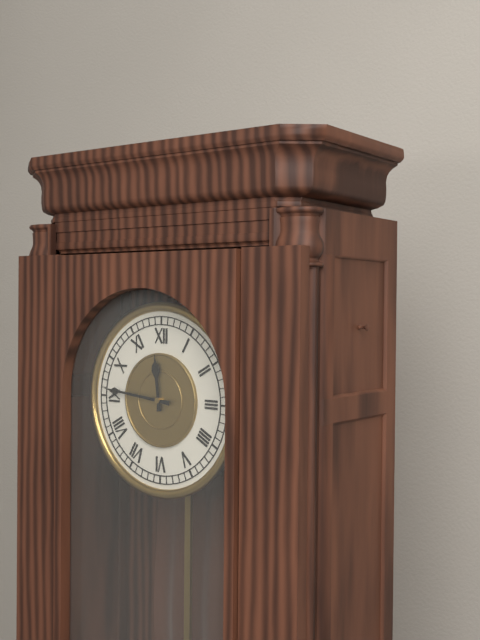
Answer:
11:46
